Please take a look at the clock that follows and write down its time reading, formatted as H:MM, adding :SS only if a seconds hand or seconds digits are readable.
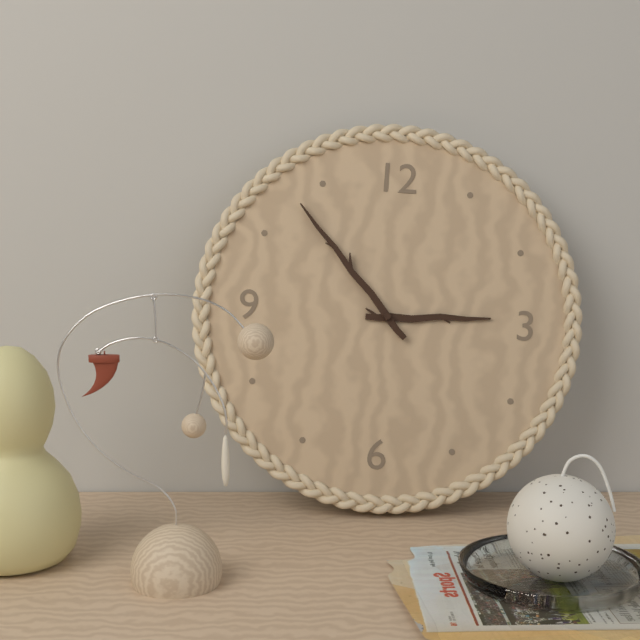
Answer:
2:53
